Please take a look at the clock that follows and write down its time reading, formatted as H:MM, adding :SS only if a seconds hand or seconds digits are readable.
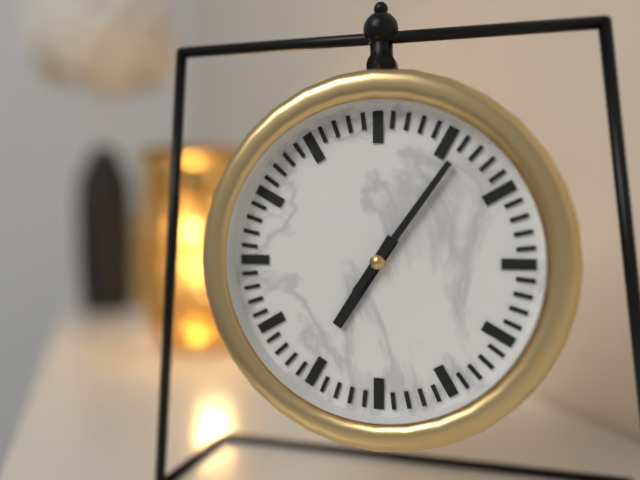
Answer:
7:06
